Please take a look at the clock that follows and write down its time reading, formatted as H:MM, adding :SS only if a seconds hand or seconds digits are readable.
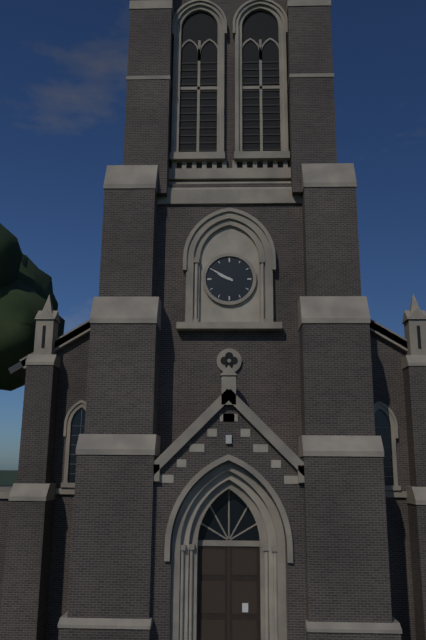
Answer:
9:50
